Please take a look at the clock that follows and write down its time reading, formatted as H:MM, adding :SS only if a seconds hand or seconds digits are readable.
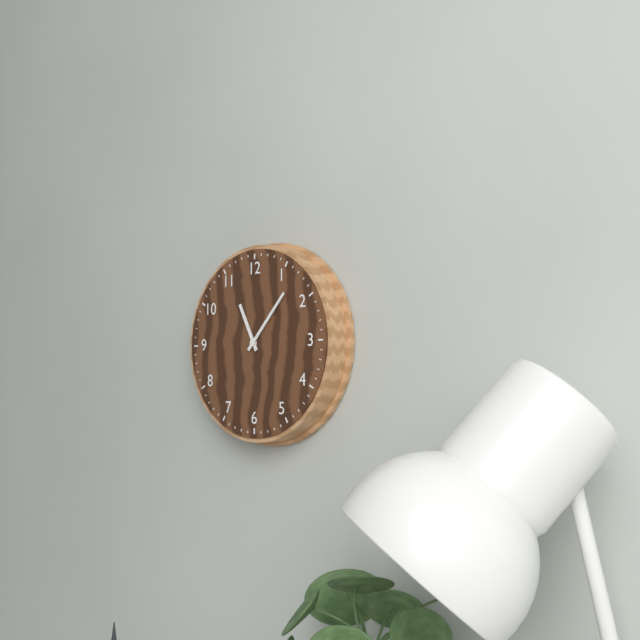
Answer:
11:07
